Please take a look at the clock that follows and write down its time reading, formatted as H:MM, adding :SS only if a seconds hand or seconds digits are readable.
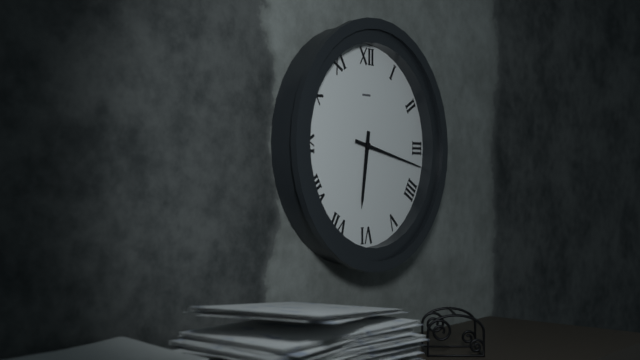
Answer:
6:17
